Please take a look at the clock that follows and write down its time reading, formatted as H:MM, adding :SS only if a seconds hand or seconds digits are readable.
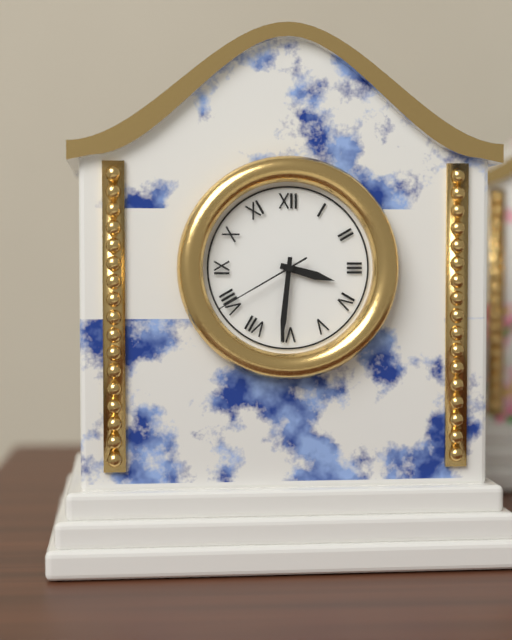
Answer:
3:31:40
